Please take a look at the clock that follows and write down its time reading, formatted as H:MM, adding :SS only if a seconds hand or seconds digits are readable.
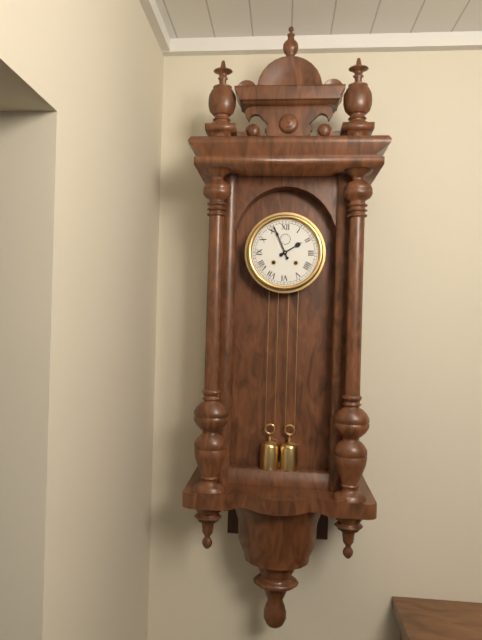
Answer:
1:56
